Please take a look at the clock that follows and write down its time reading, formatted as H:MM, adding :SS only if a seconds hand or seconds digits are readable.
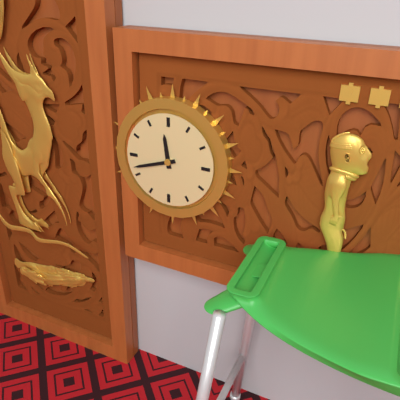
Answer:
11:42
